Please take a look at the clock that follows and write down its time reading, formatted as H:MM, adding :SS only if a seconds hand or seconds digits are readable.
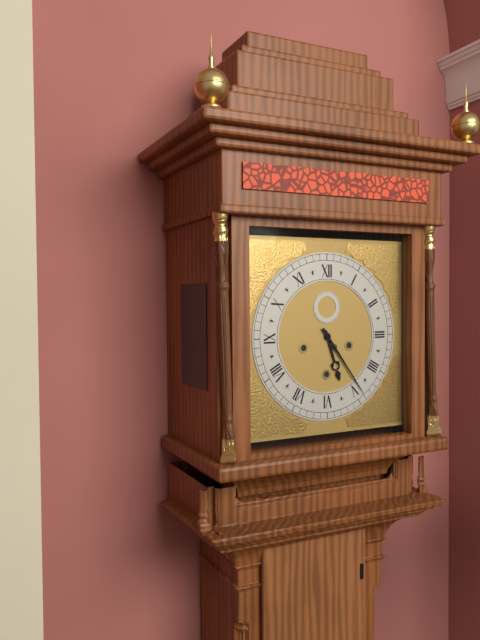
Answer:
5:24
